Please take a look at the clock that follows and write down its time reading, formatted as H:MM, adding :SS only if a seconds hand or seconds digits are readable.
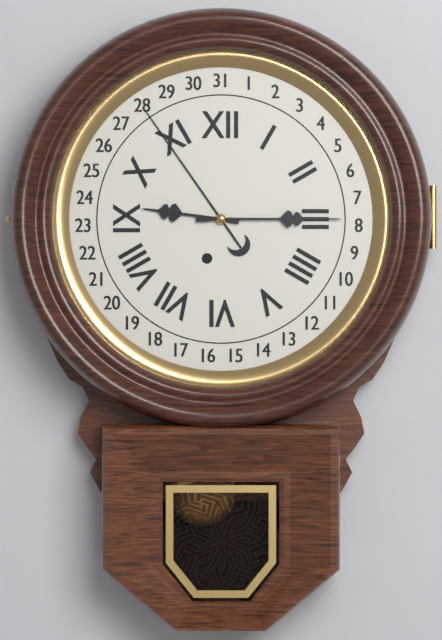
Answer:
9:15
